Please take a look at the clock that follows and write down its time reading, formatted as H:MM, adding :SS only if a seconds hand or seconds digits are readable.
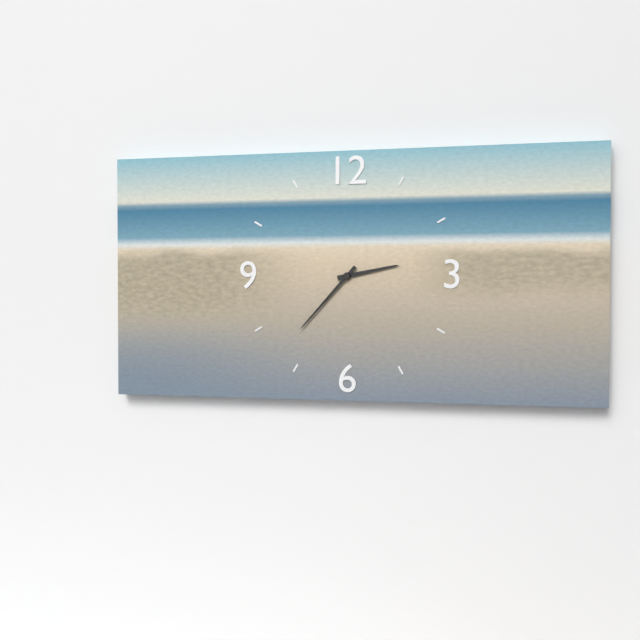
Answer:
2:37
